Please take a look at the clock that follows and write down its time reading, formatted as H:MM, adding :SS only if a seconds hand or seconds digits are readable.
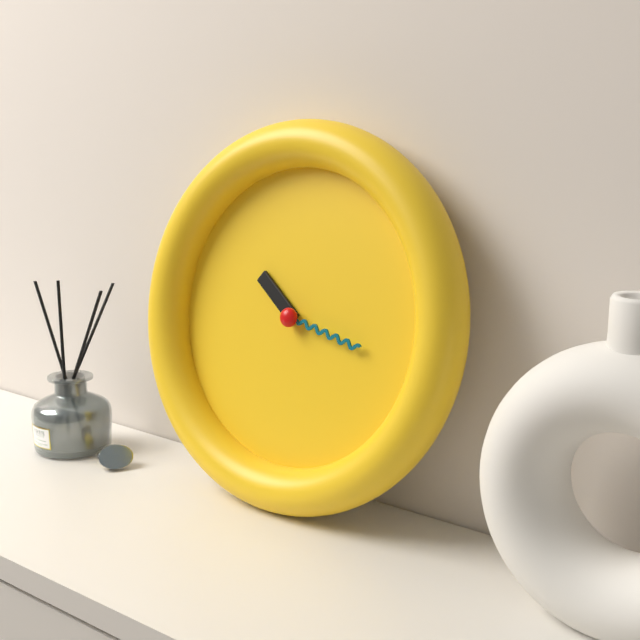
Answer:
10:17
